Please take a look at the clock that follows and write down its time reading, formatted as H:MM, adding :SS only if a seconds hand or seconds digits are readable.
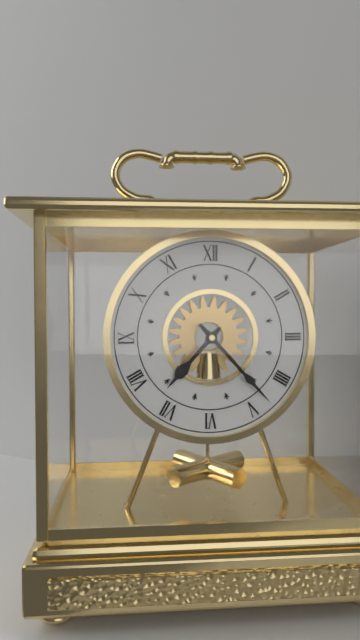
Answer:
7:23
